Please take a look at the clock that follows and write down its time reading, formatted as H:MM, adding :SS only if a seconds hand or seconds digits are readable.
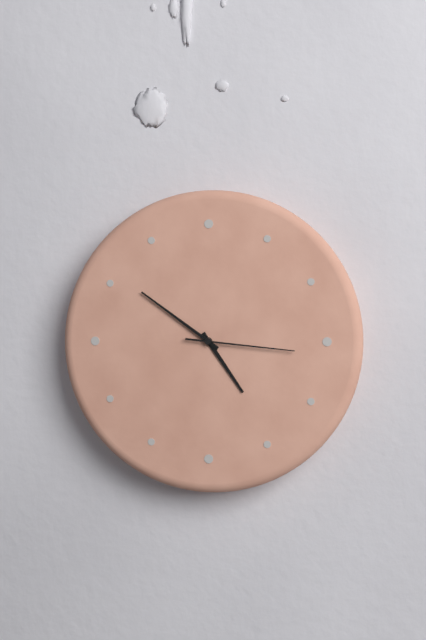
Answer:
4:51:16
